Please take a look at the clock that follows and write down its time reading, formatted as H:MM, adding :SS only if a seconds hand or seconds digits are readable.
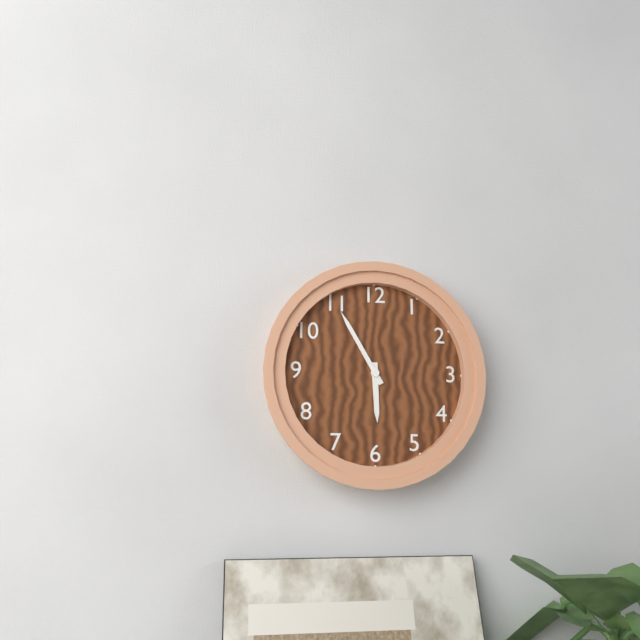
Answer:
5:55
